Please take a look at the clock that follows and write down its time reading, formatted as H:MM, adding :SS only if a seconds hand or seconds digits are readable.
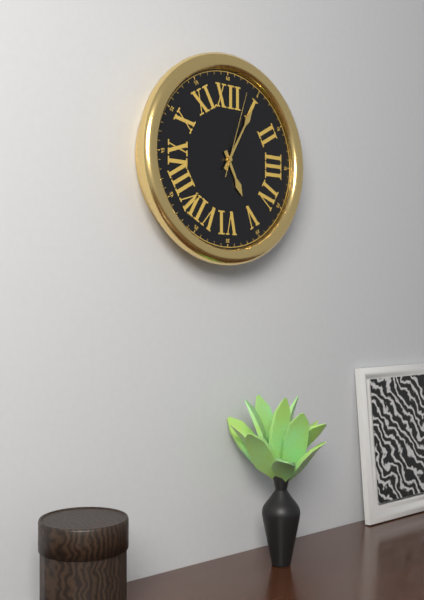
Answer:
5:05:03
